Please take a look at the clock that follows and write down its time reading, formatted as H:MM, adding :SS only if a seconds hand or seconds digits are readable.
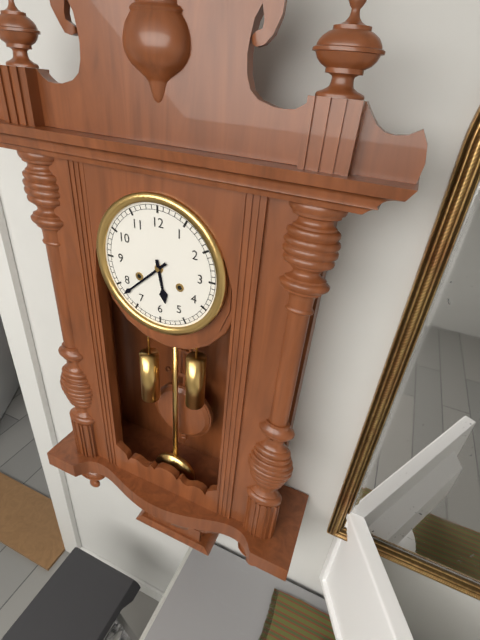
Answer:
5:38
